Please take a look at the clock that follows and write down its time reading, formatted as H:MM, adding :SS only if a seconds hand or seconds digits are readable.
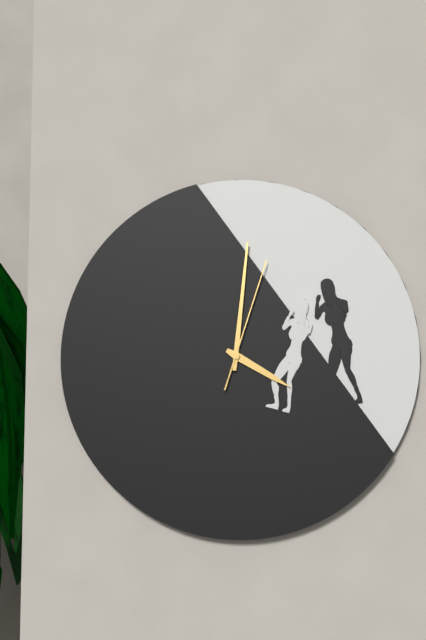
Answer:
4:01:03
